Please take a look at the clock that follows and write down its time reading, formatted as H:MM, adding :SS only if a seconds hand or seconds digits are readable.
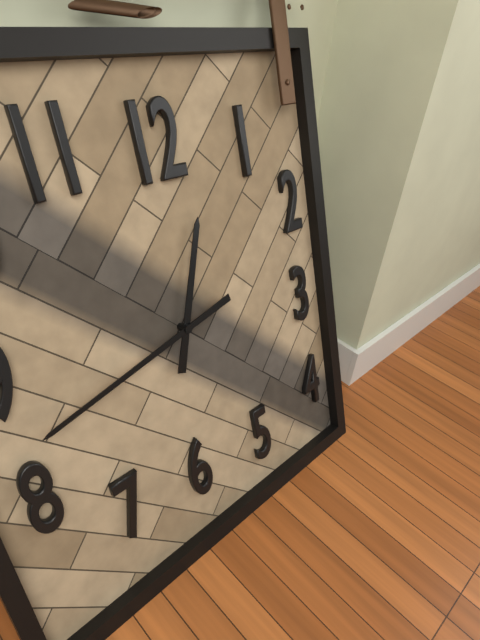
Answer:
12:43
